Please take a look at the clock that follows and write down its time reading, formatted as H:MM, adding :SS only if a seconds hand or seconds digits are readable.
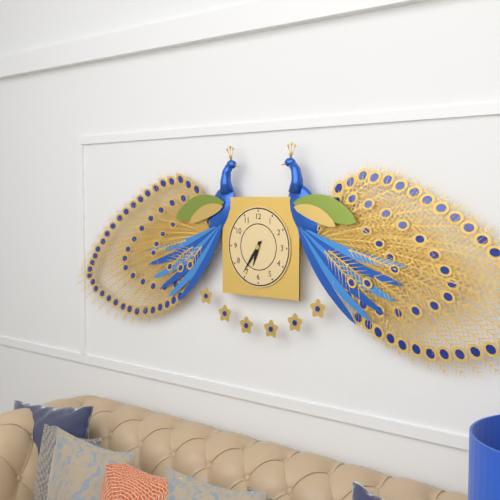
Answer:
6:36
